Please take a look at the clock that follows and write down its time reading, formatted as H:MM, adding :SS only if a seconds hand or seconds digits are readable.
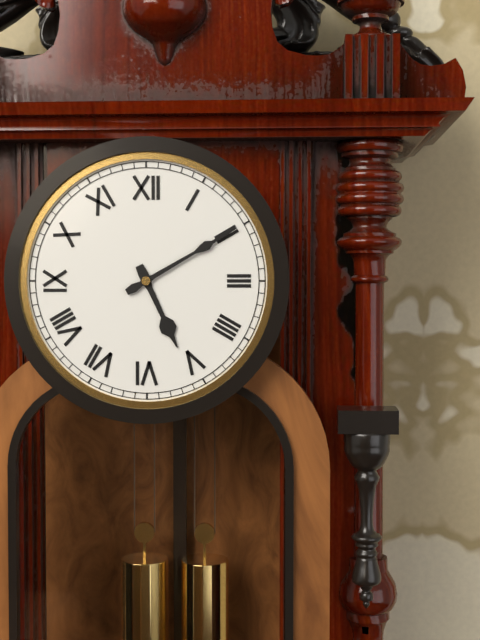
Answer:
5:10
